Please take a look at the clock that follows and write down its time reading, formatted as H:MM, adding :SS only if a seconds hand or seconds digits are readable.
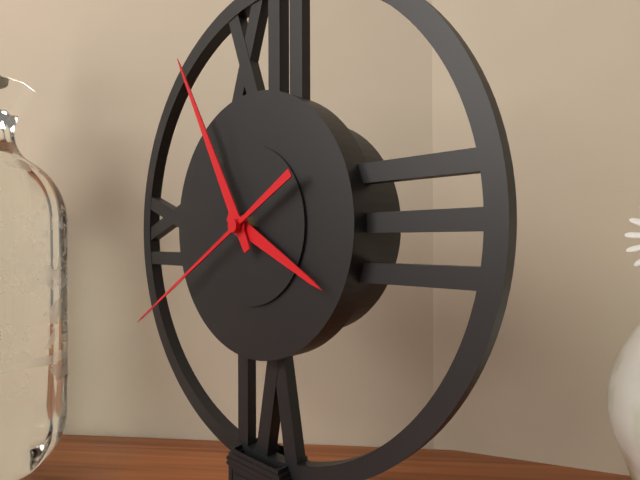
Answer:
3:55:40
